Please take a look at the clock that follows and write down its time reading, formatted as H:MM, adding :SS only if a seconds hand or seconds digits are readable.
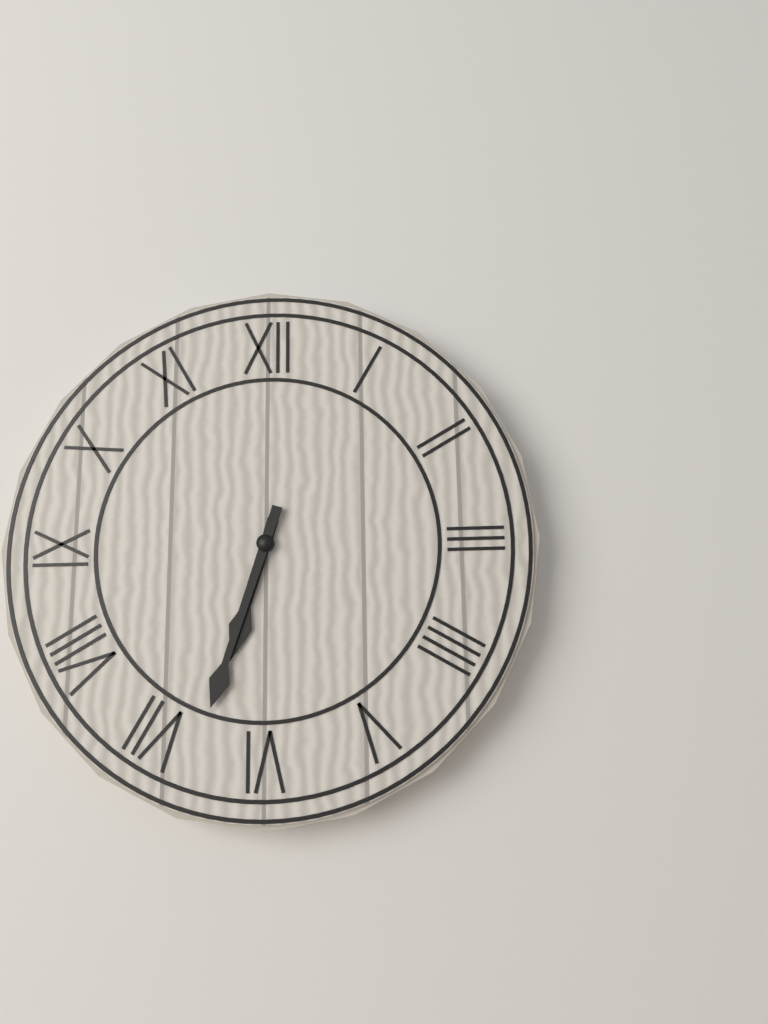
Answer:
6:33
